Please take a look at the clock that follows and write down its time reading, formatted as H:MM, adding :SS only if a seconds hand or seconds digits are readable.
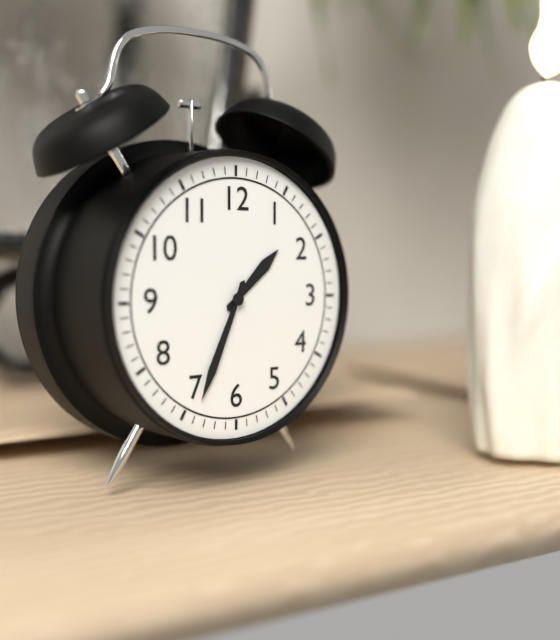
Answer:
1:34
